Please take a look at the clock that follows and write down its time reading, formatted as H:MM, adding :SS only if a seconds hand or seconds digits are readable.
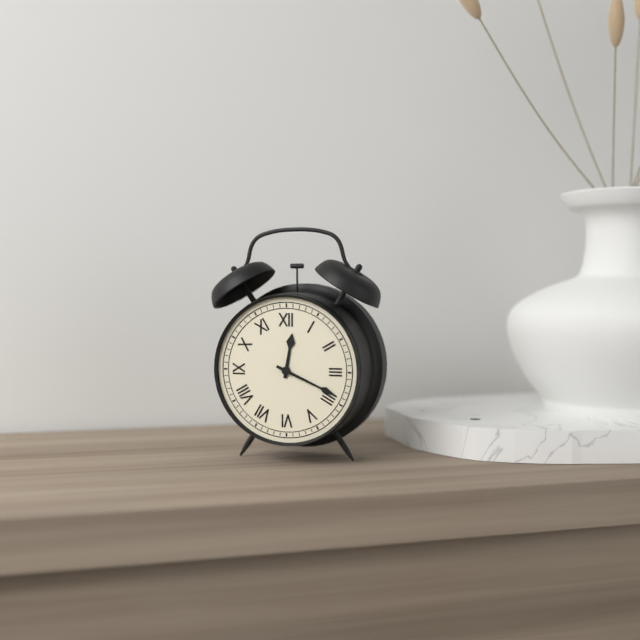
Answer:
12:19
